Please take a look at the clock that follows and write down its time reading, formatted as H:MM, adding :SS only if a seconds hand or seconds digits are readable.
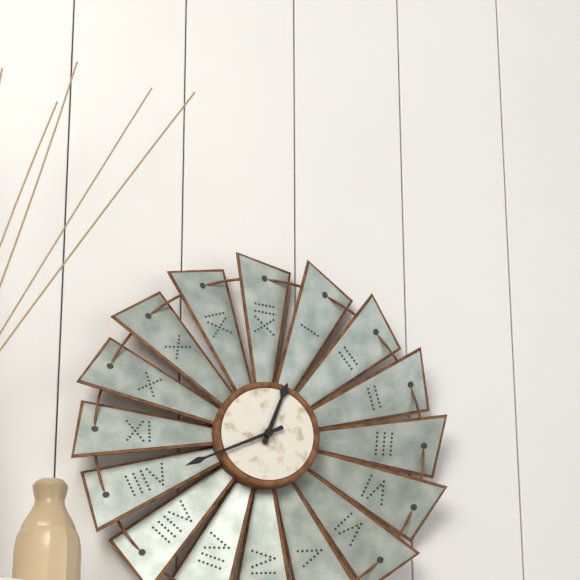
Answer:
12:41
